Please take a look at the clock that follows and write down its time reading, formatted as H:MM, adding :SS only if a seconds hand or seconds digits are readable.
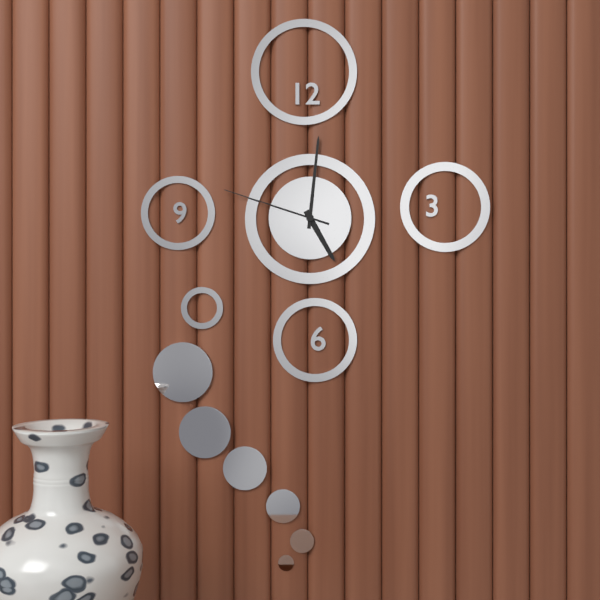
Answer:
5:01:48
